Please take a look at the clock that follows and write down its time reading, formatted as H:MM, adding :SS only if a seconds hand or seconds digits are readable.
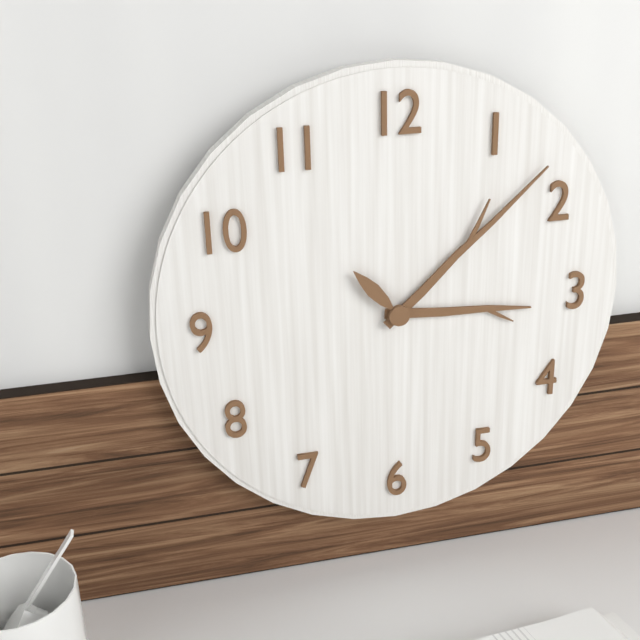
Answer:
3:08:53
